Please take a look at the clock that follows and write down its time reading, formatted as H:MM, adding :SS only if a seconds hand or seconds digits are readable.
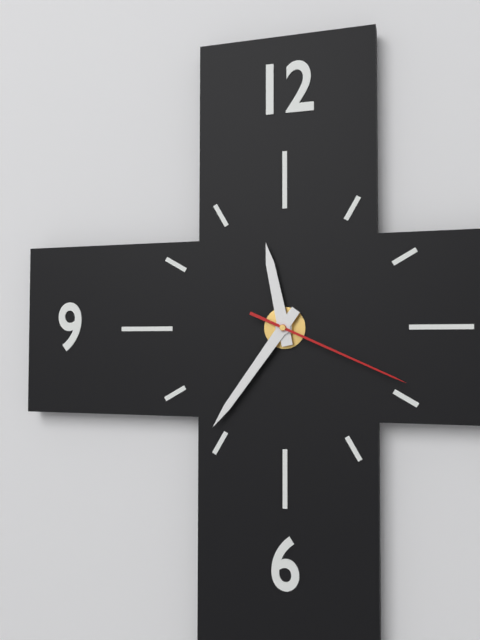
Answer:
11:36:19
